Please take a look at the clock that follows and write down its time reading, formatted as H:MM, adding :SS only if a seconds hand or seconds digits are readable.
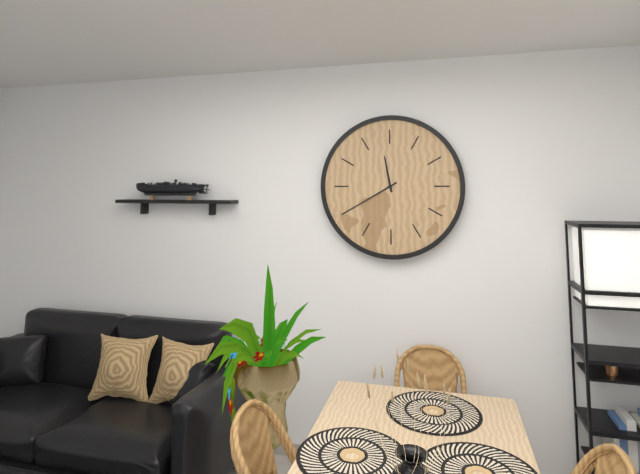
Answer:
11:40
